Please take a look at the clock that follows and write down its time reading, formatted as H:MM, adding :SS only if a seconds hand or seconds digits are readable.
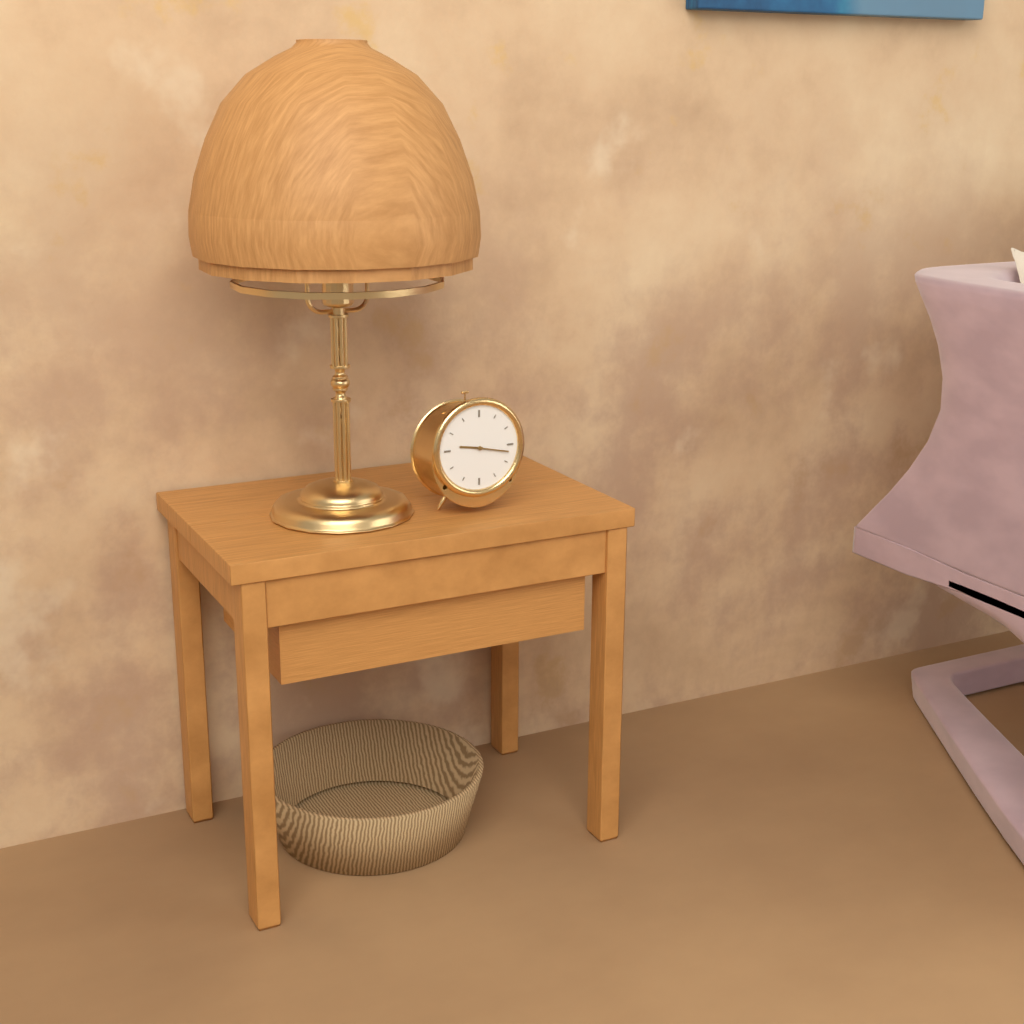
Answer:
9:17
